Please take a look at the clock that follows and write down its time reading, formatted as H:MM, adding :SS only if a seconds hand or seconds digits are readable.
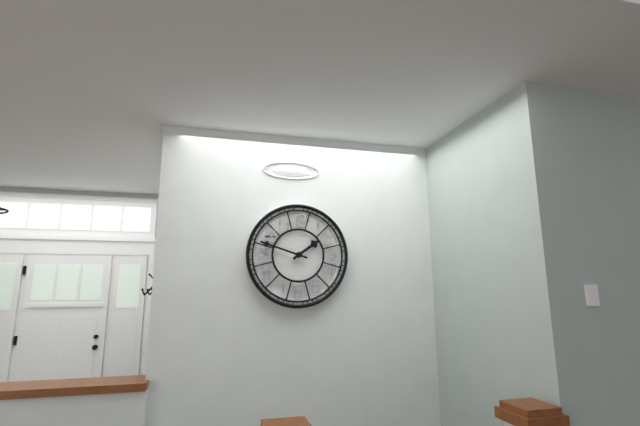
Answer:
1:48
